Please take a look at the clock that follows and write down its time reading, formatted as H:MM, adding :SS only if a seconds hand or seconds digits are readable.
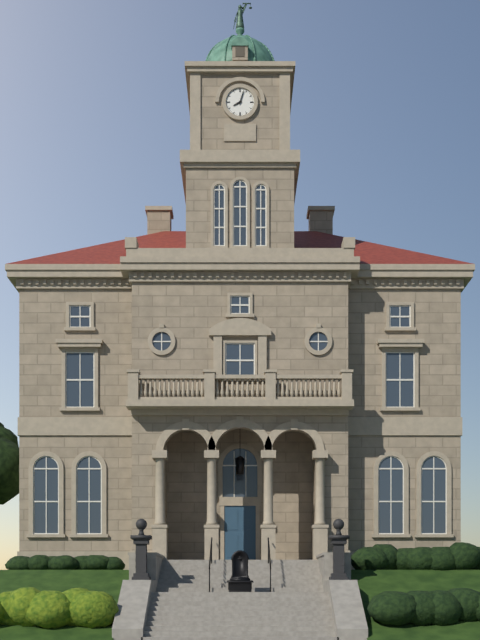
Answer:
8:03
